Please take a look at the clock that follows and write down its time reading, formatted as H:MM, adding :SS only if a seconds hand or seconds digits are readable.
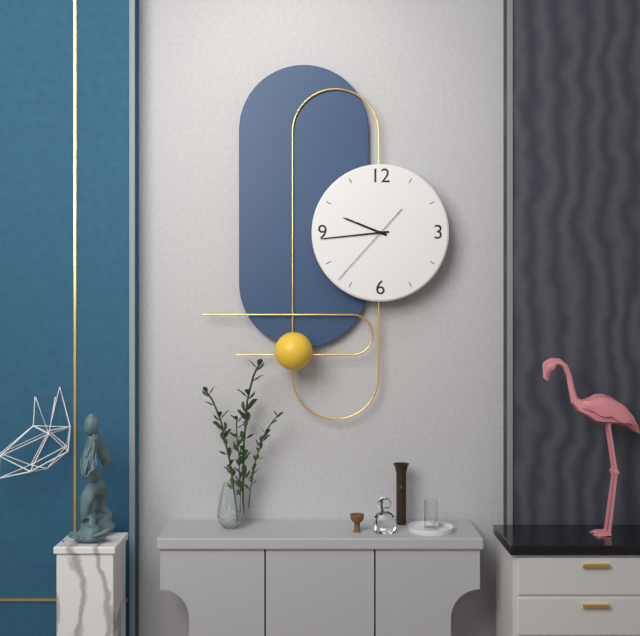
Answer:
9:44:37
